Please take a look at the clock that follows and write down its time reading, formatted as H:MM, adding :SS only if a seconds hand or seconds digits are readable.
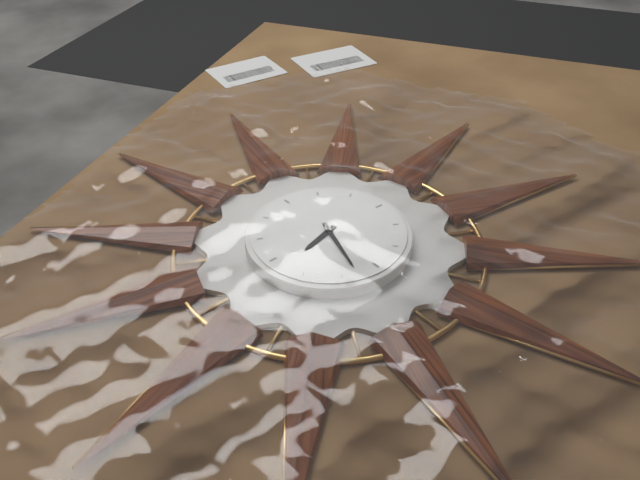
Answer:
8:33
